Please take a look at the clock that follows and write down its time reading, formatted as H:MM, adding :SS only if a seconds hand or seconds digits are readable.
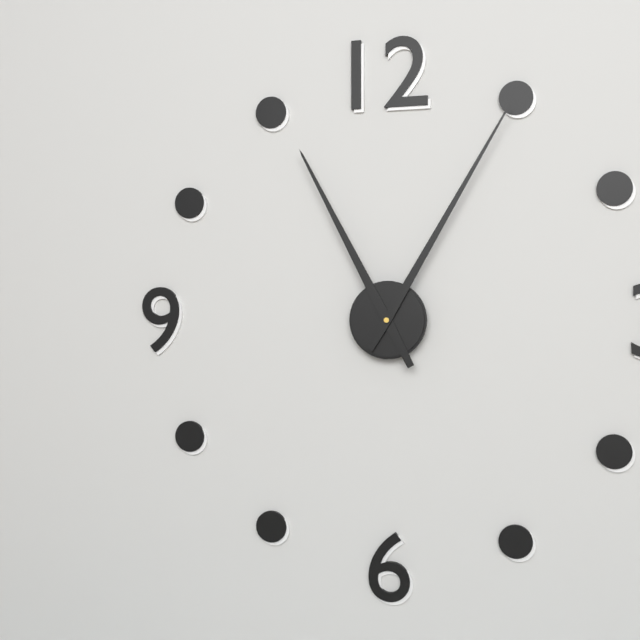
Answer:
11:05
